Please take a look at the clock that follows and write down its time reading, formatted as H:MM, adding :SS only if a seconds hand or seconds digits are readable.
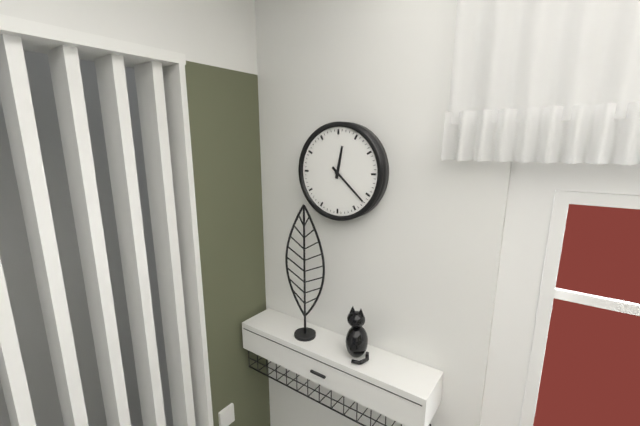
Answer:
12:22
